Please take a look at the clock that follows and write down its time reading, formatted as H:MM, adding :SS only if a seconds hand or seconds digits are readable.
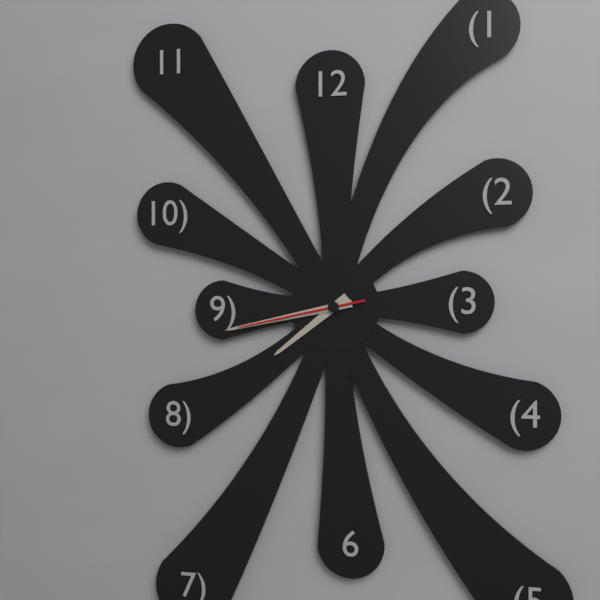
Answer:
7:43:43
